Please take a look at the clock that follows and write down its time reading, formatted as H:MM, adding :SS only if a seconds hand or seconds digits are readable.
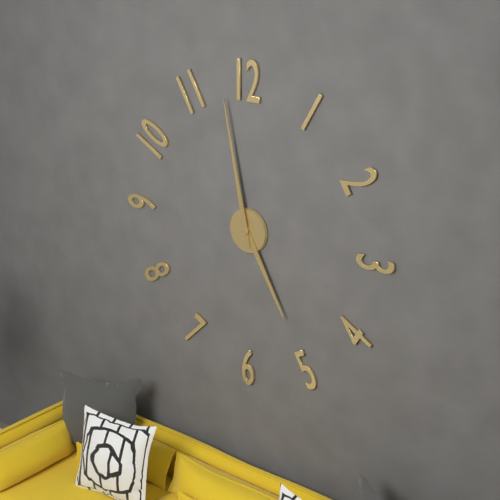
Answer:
4:58
